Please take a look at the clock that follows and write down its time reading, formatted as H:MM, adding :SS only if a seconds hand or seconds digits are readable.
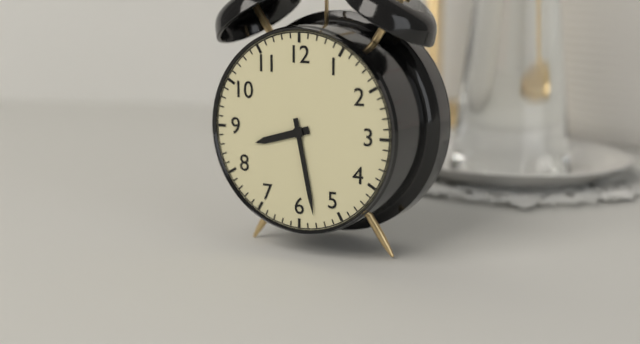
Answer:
8:28
